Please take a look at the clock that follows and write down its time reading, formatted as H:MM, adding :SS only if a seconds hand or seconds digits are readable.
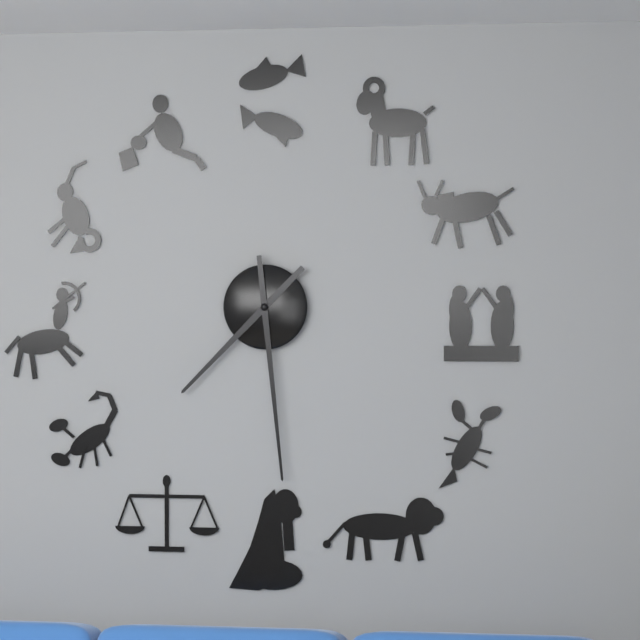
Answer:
7:29
